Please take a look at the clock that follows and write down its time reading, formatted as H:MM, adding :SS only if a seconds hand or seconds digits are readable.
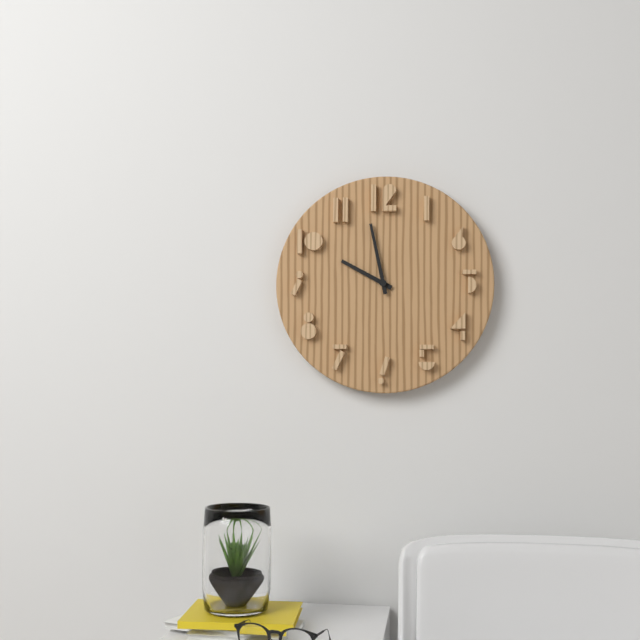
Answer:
9:58
